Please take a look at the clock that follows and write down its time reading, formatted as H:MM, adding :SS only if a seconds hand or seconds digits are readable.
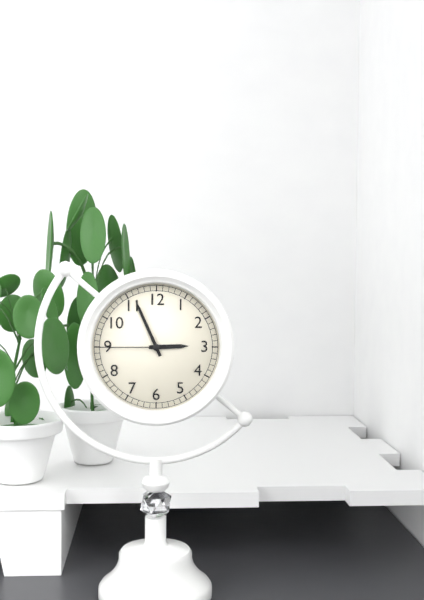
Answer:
2:56:45
